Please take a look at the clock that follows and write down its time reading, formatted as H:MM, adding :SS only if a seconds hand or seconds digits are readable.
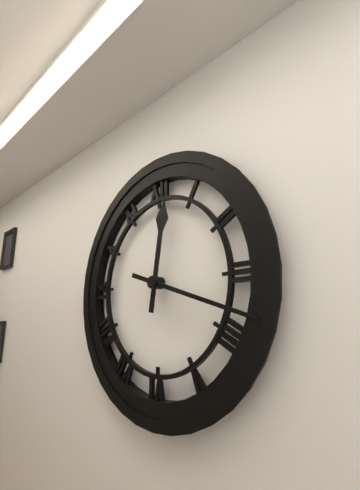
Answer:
12:18
